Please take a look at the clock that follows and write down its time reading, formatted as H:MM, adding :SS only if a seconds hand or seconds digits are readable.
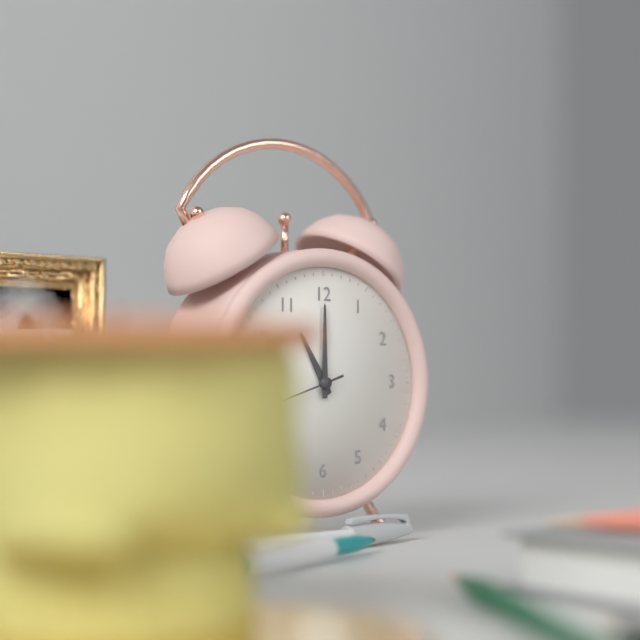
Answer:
11:00
